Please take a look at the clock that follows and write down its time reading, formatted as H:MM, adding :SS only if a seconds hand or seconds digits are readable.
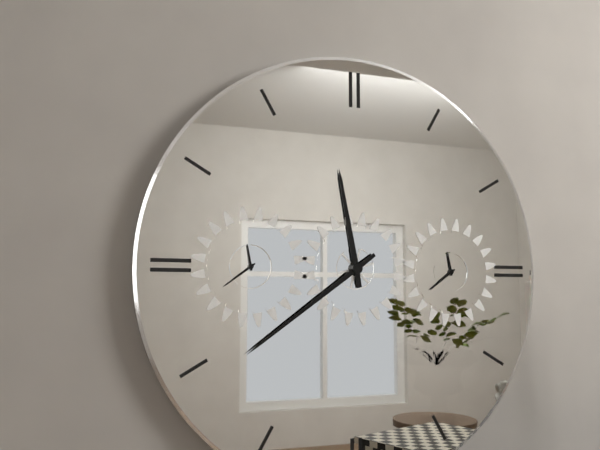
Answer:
11:39
